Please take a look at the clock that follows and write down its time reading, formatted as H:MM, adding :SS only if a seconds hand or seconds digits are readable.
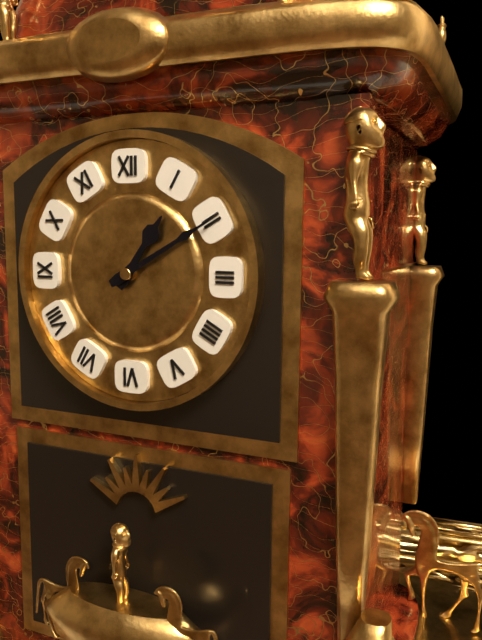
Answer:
1:10
